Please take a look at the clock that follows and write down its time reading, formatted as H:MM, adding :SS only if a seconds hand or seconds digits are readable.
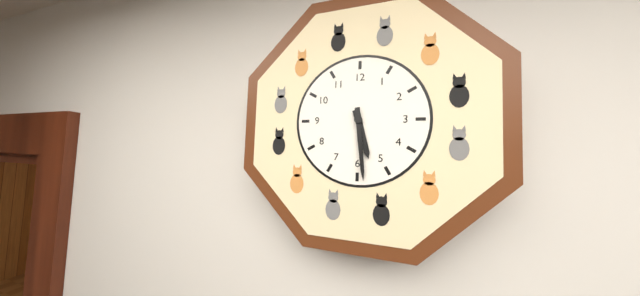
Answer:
5:29
